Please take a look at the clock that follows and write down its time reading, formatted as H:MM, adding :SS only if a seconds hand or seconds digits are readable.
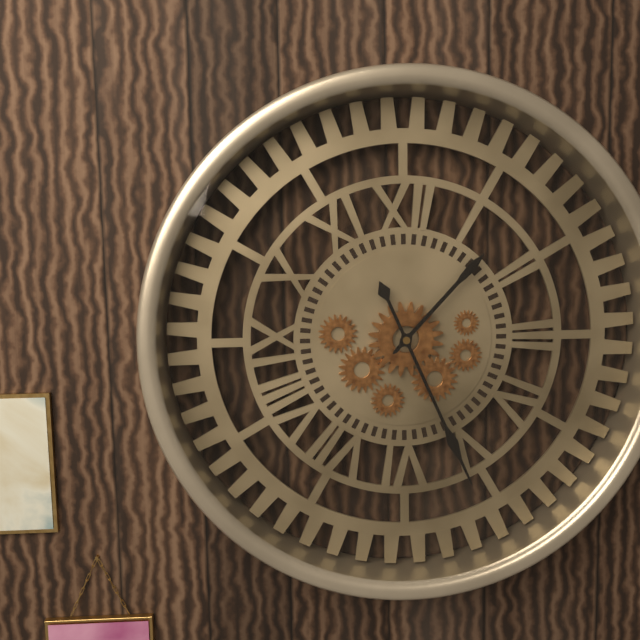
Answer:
1:26
